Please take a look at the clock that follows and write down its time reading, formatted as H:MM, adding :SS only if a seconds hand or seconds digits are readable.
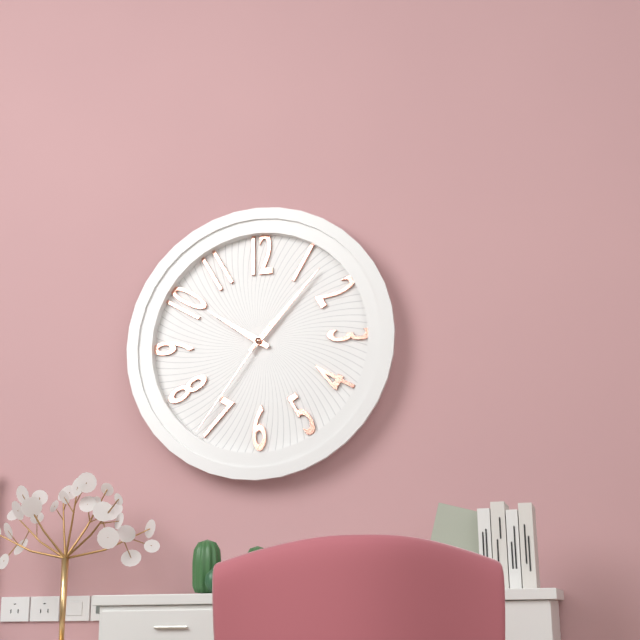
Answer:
10:07:36
